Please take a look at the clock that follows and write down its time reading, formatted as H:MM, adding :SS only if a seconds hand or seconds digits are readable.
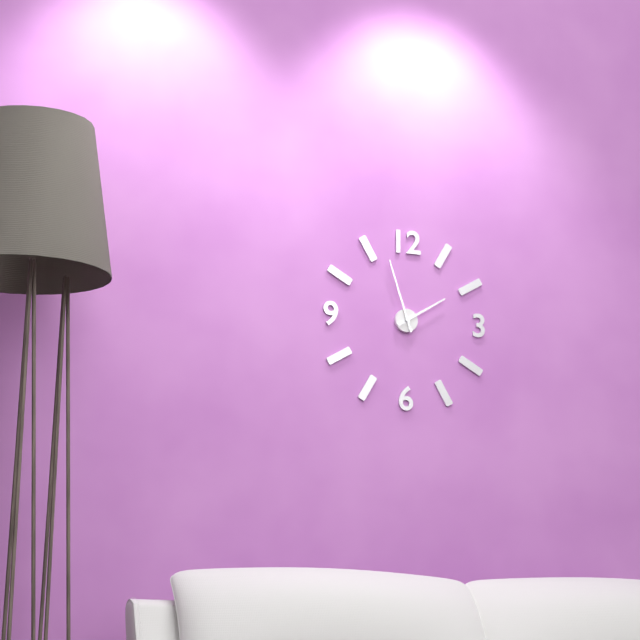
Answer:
1:57
